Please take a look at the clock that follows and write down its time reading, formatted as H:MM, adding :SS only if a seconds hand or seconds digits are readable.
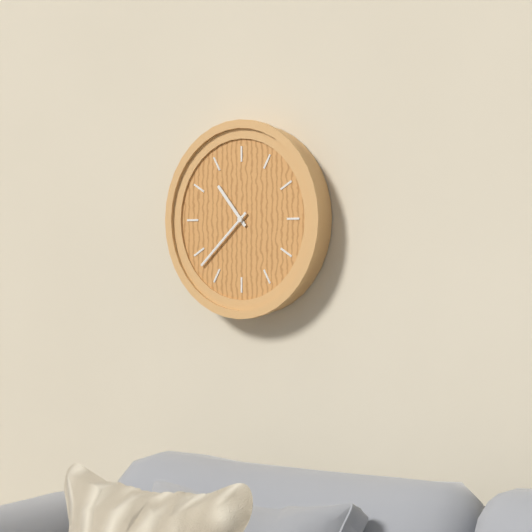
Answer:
10:38
